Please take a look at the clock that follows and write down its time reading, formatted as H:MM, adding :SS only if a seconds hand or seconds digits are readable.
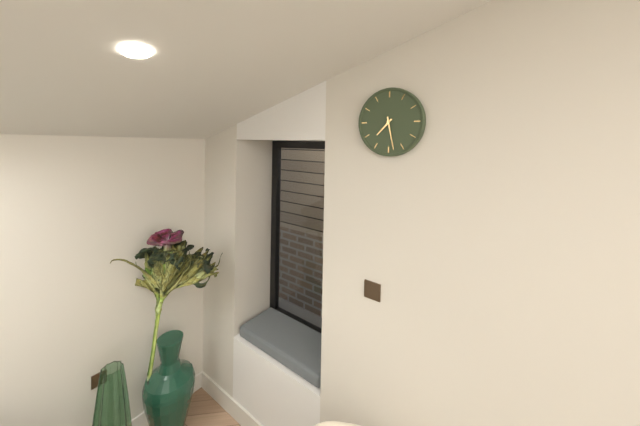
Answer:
7:28
